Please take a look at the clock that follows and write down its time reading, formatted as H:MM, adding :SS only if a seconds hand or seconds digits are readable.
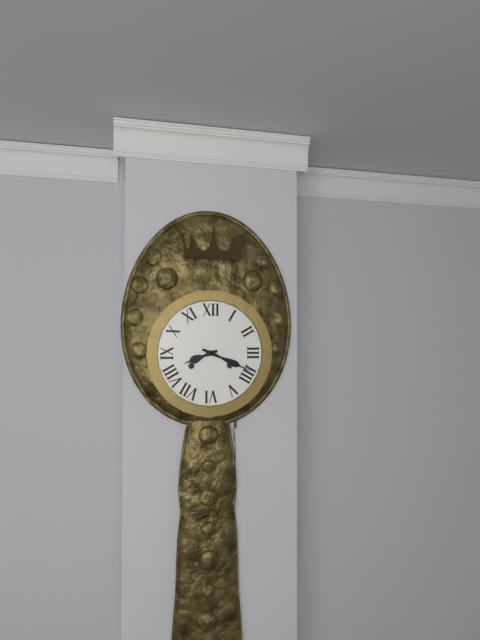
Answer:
8:19
